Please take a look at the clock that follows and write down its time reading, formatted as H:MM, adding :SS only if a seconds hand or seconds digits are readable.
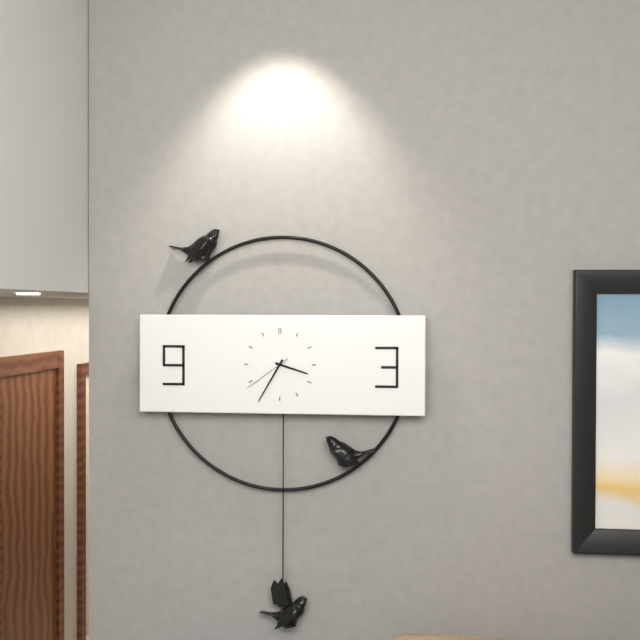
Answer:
3:35:39
